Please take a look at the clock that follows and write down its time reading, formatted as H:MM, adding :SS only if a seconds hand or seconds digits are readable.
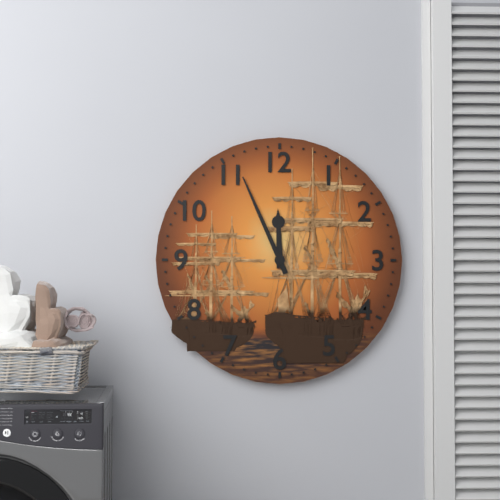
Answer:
11:56
